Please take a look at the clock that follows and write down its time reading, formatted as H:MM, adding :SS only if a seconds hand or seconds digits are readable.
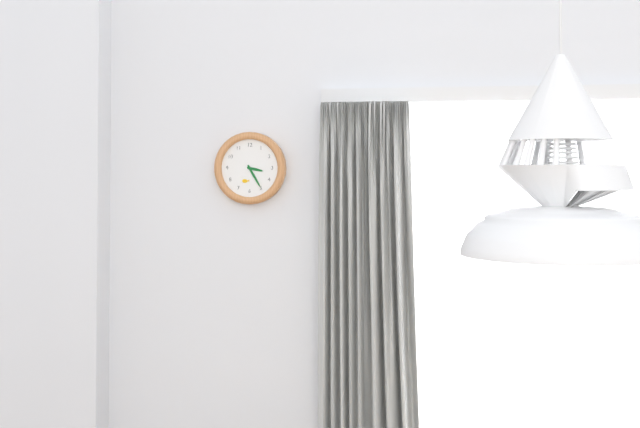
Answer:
3:25
